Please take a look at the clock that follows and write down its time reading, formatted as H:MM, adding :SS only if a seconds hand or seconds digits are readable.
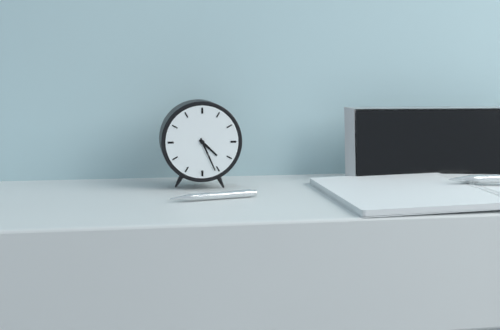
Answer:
4:26
